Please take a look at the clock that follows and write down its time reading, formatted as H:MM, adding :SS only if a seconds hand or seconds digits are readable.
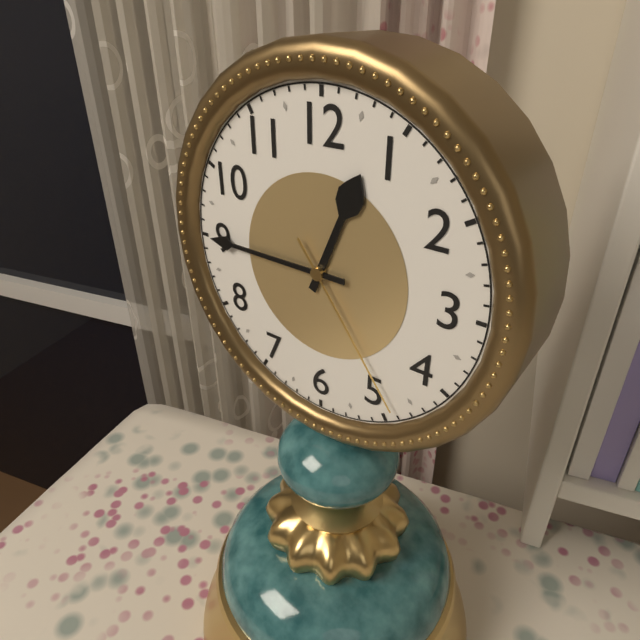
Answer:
12:45:24
